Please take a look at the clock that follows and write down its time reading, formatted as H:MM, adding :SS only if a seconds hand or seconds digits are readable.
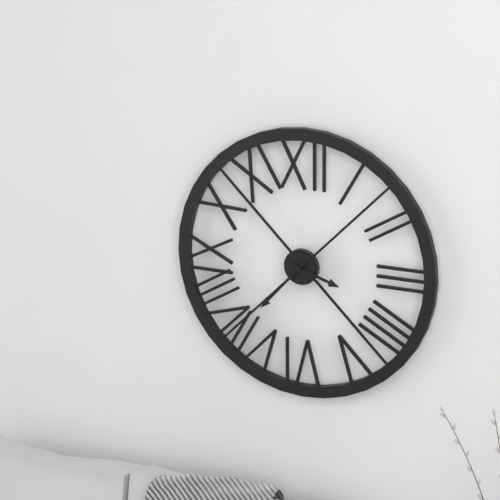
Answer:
3:37
